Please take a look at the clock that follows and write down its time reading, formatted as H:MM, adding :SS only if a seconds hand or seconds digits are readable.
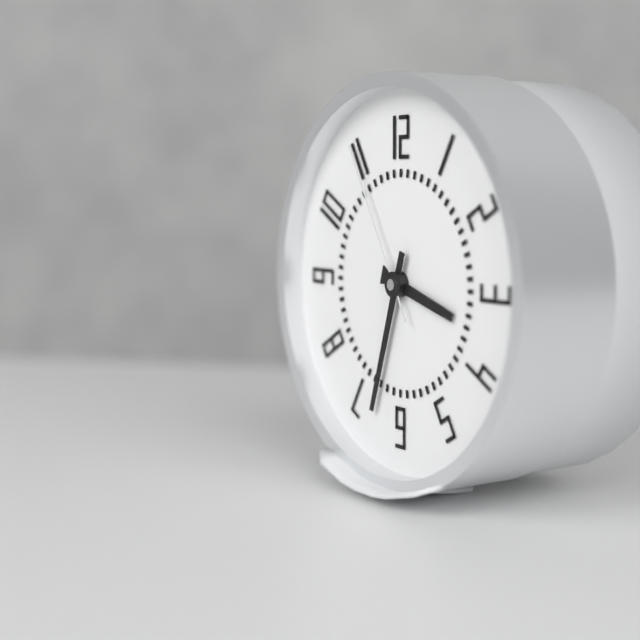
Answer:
3:33:55
